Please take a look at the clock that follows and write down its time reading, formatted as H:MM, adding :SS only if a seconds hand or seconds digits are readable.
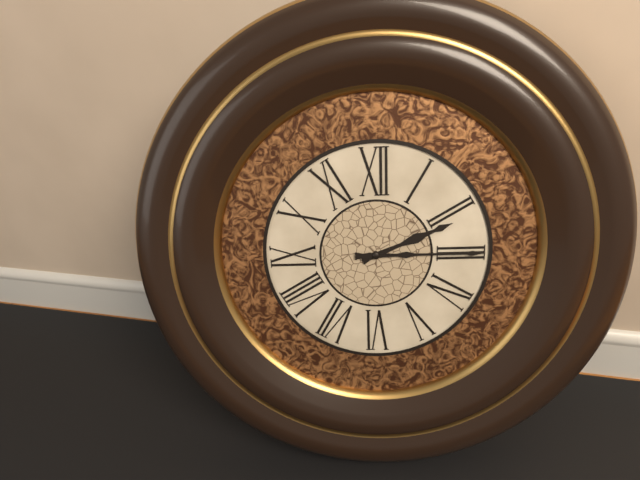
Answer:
2:15
